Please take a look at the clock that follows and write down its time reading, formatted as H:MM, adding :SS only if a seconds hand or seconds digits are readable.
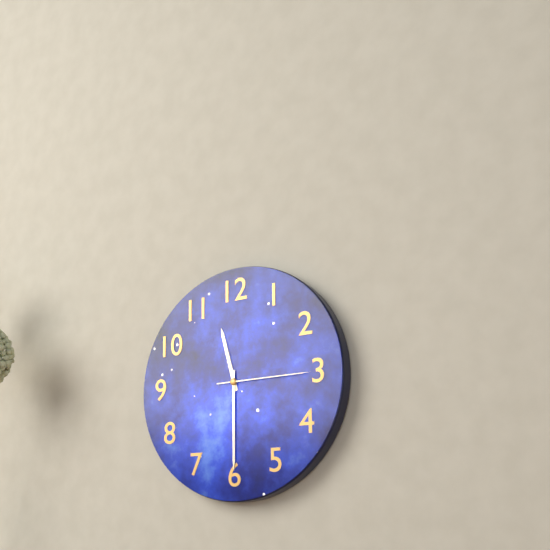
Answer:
11:30:15
